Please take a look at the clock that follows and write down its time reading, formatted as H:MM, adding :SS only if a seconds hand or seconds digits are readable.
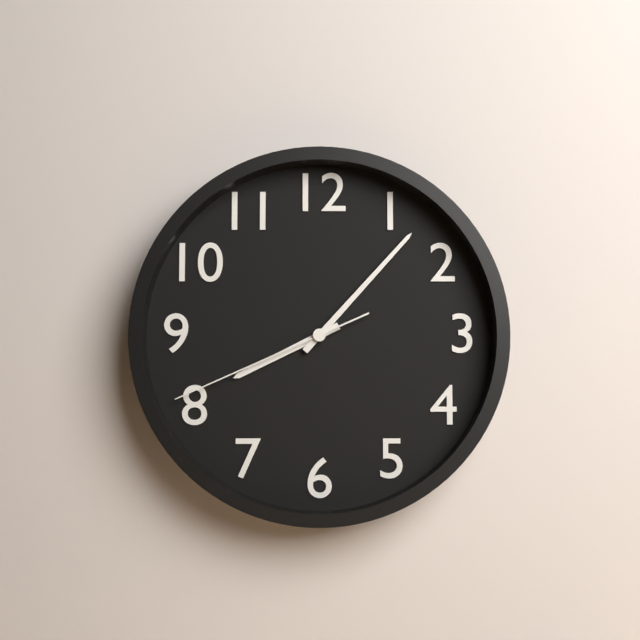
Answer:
8:07:41
